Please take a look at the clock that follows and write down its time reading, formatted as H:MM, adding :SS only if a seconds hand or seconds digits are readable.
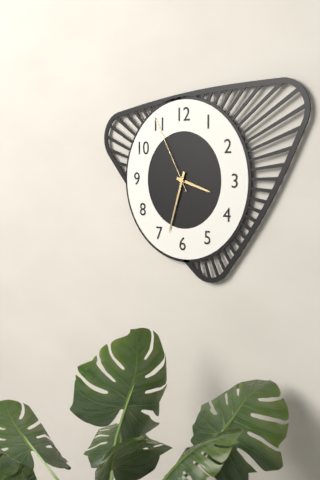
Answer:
3:33:55
